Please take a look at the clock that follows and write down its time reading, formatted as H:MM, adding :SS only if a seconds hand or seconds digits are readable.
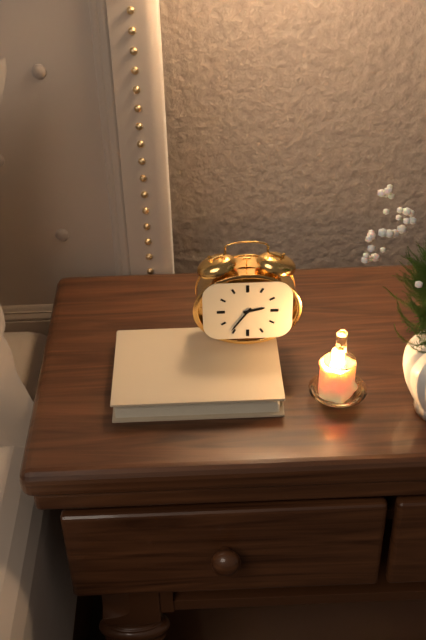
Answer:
2:36
